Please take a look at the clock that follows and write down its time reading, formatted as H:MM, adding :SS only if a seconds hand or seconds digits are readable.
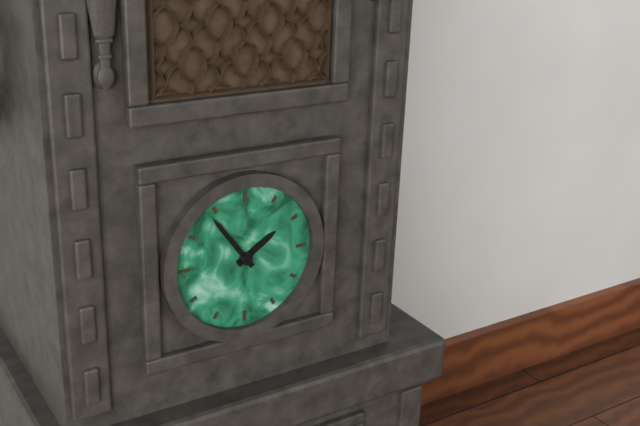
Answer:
1:54
